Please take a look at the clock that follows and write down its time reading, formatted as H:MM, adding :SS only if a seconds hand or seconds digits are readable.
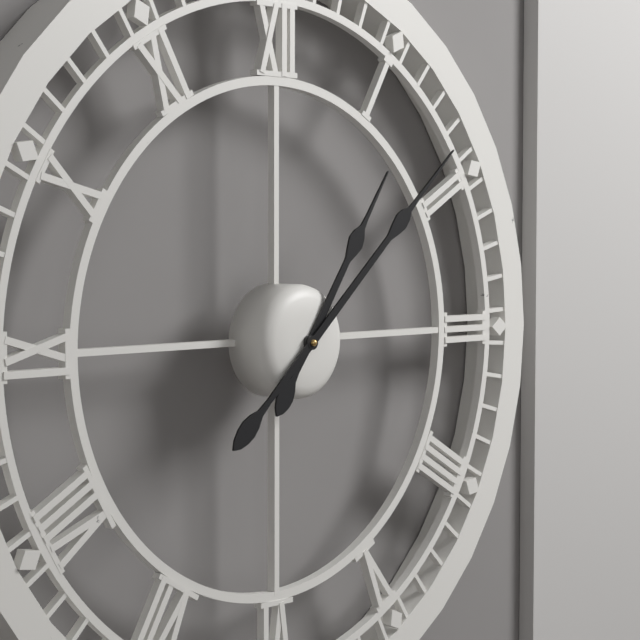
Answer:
1:08
